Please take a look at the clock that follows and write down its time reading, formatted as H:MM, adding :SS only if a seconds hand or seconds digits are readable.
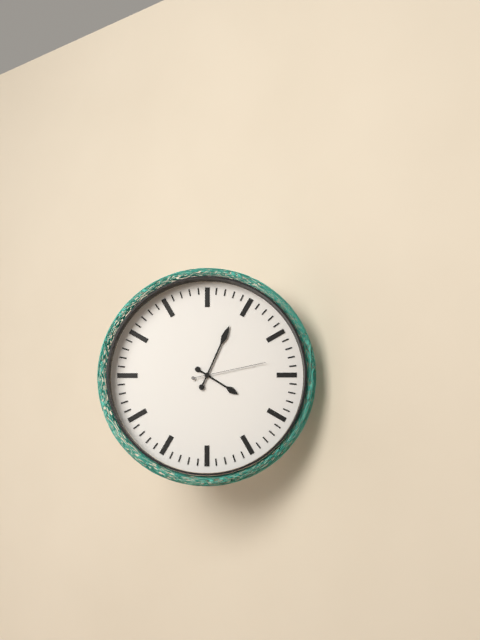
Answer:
4:04:13
